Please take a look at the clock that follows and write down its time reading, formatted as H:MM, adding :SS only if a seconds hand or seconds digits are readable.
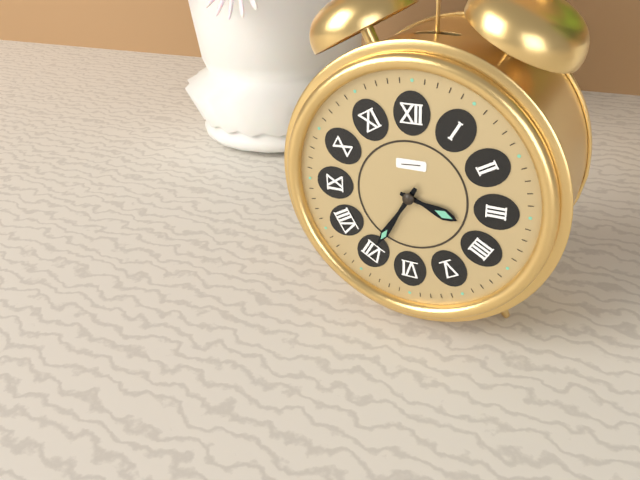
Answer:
3:35
